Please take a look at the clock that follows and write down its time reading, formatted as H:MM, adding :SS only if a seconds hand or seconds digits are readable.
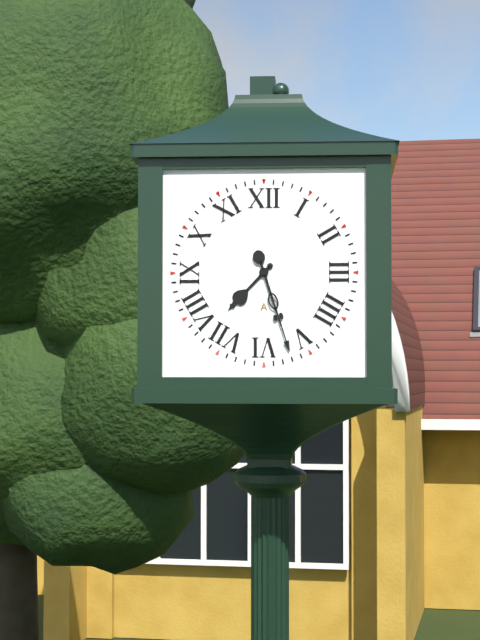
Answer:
7:27
